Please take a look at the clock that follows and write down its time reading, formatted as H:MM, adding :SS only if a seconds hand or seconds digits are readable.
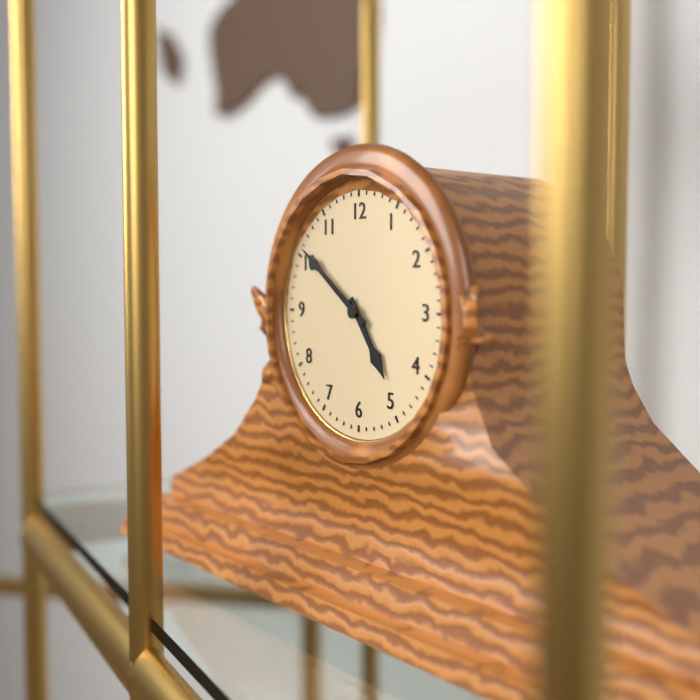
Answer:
4:51
